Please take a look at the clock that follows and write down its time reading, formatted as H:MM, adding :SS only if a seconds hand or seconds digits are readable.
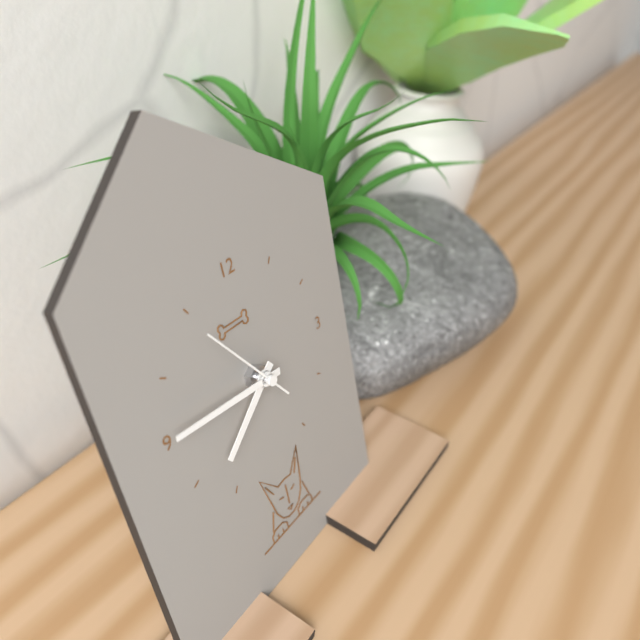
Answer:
7:46:54
